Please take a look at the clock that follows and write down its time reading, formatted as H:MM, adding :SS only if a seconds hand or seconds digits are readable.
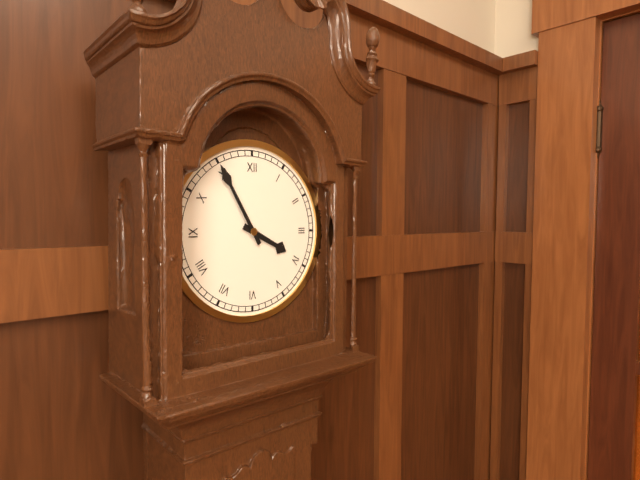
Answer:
3:55
